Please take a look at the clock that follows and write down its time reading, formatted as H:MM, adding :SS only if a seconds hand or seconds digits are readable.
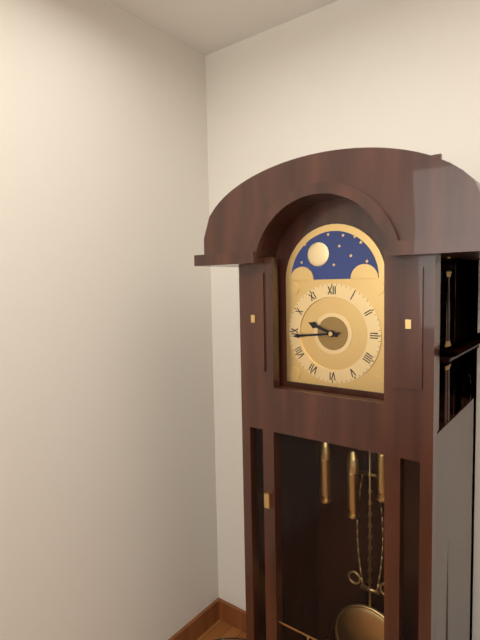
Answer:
9:44
